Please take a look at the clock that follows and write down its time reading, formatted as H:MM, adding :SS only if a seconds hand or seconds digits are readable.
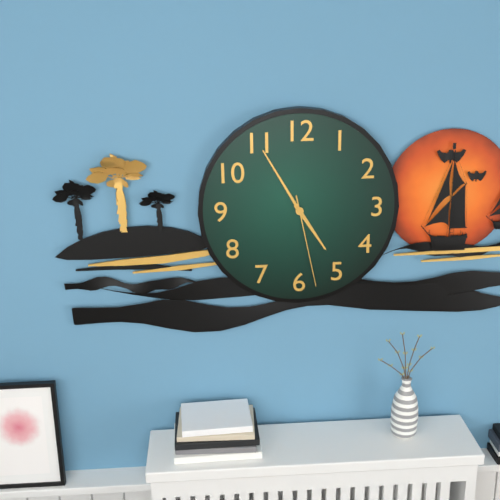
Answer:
4:55:28
